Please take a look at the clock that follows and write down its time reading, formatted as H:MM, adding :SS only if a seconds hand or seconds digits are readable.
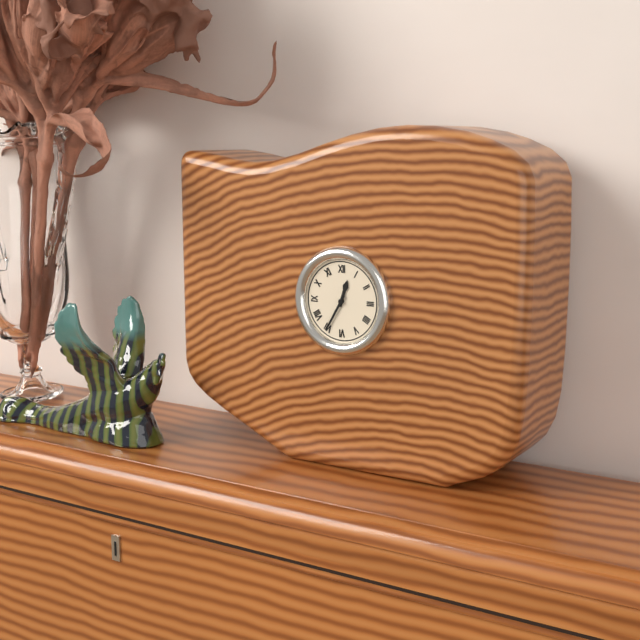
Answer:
12:35
